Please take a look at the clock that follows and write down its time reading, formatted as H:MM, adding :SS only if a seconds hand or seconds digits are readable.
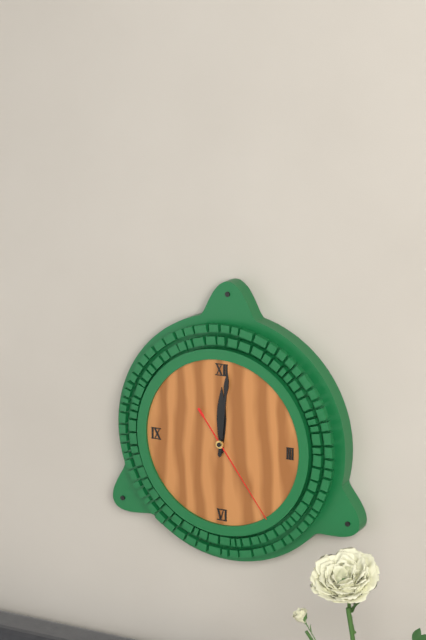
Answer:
12:01:24
